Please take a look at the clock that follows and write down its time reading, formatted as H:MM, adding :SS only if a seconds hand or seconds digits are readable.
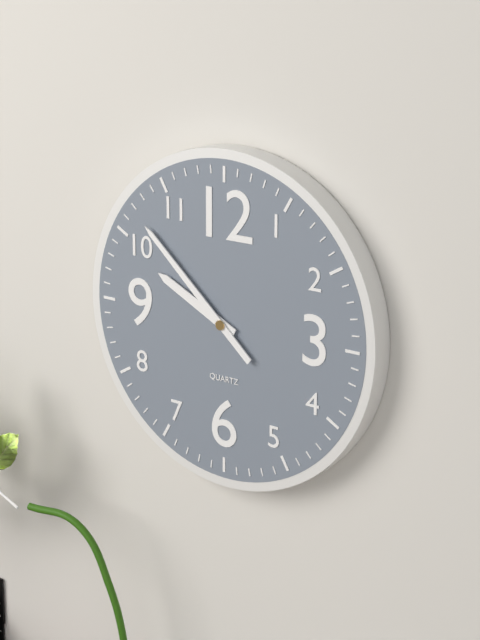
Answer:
9:52
